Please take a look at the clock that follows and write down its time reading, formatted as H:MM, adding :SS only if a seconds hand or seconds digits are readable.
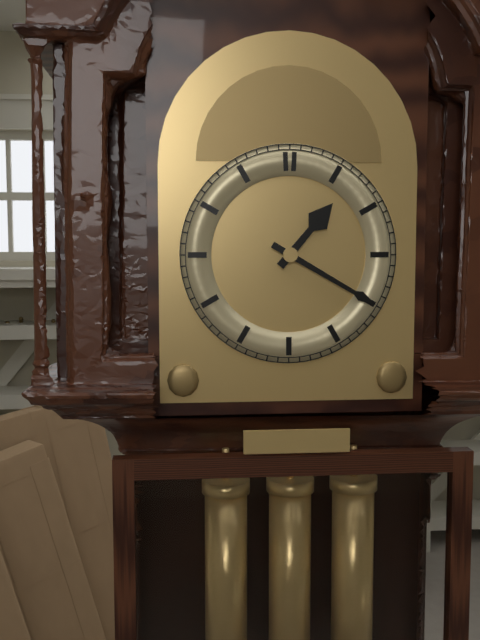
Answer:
1:20
